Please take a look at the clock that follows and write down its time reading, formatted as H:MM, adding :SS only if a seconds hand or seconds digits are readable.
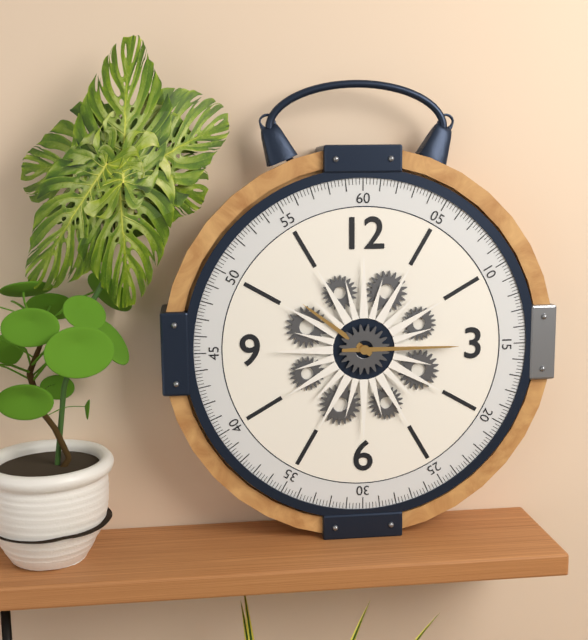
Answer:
10:15
